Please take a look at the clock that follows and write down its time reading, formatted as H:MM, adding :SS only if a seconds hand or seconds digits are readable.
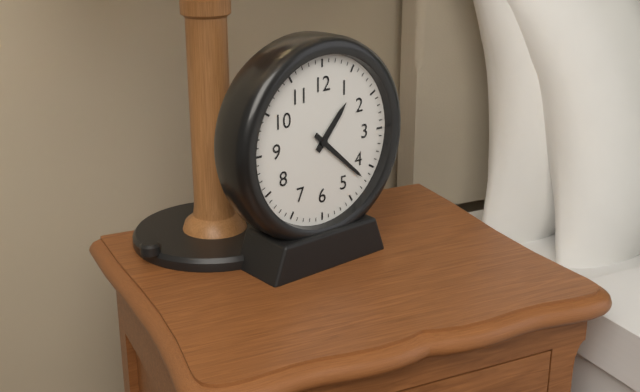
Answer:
1:22
